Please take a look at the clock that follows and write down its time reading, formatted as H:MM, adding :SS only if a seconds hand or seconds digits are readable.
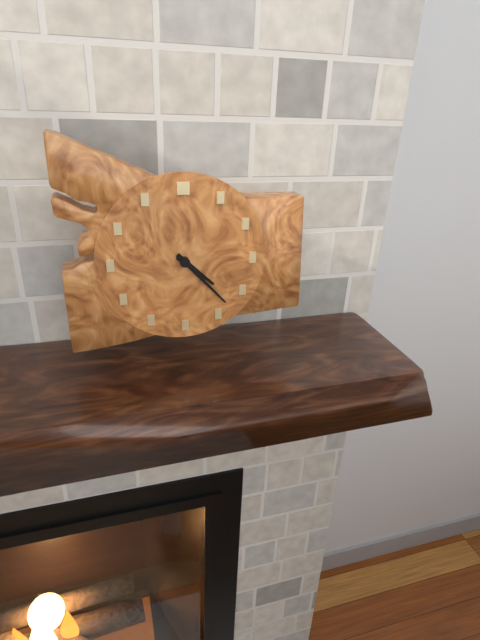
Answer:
4:23
